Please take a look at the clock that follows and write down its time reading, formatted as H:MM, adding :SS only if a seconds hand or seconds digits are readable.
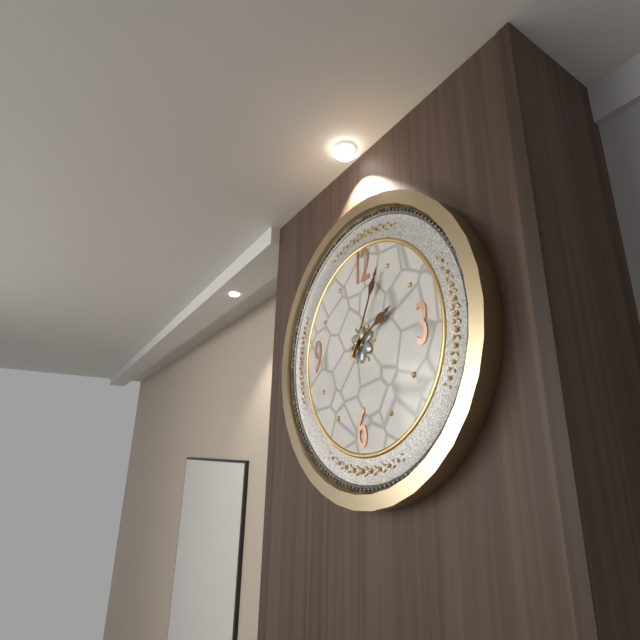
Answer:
2:04:06
